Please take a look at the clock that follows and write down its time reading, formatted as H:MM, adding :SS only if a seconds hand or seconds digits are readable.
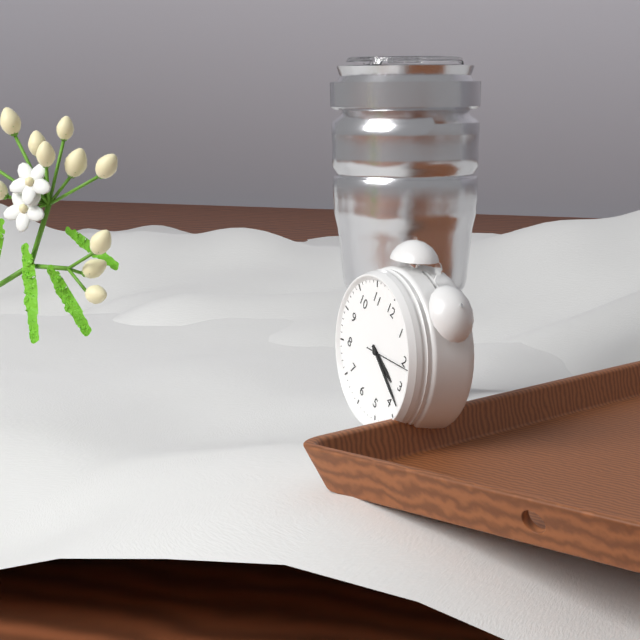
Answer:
3:18:11
